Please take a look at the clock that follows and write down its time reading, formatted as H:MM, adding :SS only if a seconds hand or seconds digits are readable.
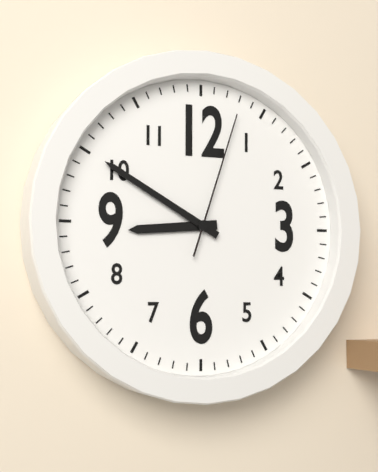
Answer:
8:50:03
